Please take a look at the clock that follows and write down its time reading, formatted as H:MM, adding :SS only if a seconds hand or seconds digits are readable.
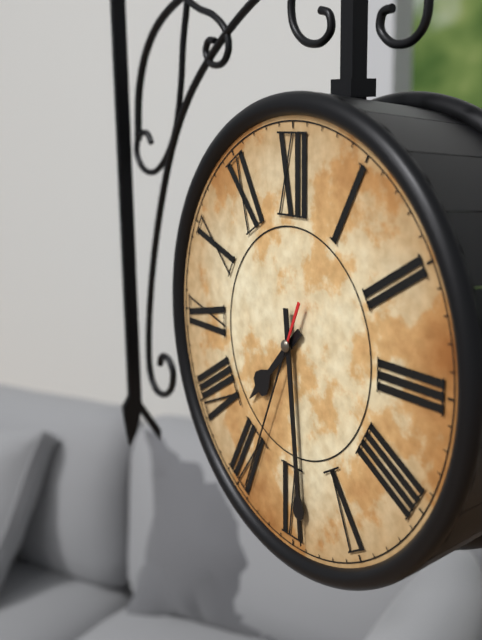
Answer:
7:29:34
